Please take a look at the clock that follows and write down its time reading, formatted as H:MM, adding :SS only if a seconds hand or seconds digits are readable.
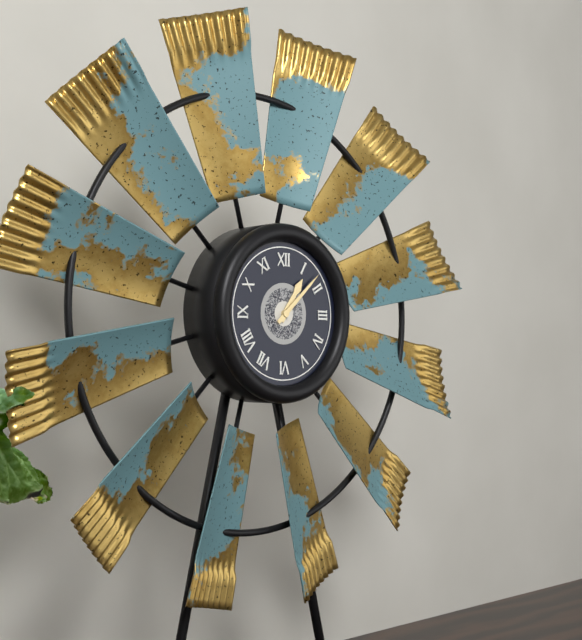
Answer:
1:08
